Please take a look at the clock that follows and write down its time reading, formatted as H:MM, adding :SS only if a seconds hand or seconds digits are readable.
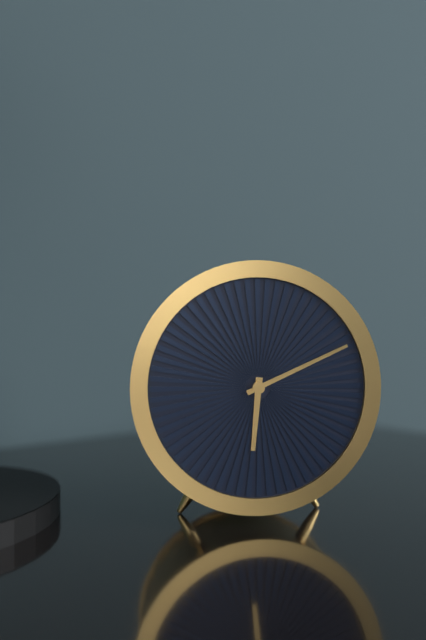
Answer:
6:11
